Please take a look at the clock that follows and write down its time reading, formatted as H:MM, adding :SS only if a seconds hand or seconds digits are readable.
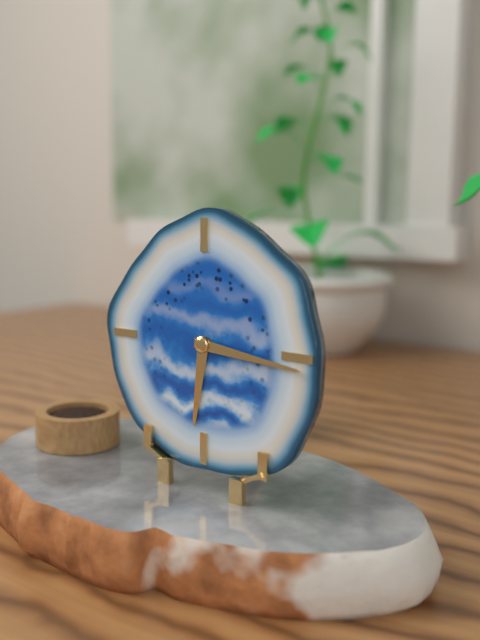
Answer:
6:16
